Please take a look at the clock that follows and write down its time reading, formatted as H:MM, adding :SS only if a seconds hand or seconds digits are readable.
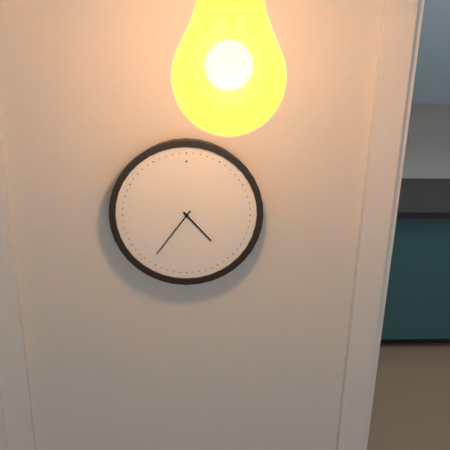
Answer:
4:36
